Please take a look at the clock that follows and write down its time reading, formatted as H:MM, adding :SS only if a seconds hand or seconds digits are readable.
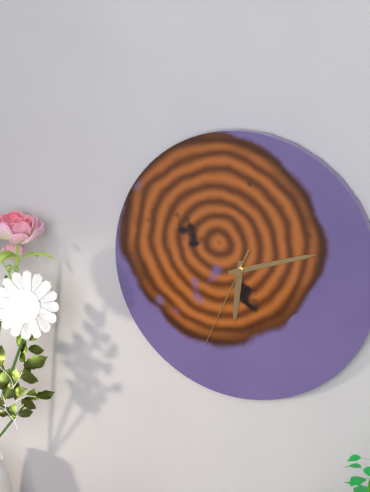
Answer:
6:12:34
